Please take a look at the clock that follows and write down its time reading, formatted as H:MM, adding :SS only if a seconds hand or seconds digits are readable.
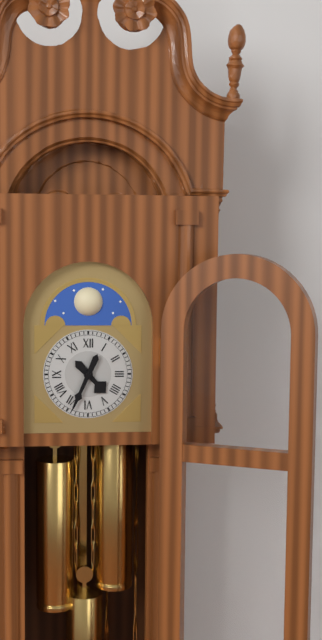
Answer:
4:34
